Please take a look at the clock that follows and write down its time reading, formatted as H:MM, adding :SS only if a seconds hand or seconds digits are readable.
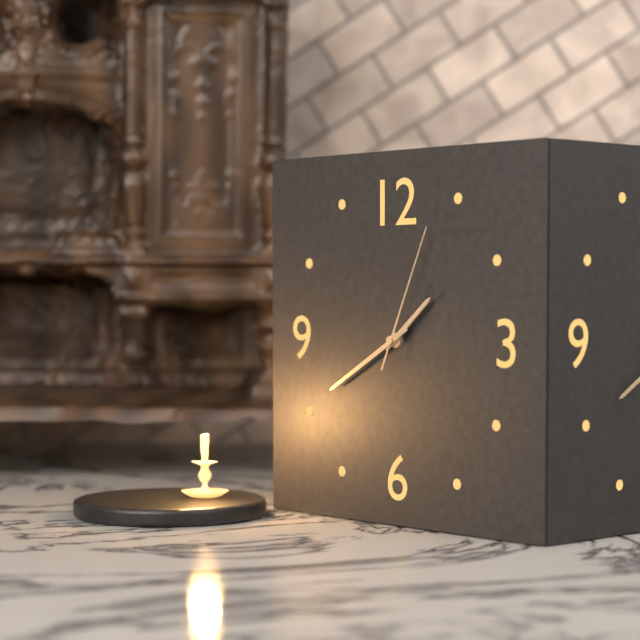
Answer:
1:40:04
